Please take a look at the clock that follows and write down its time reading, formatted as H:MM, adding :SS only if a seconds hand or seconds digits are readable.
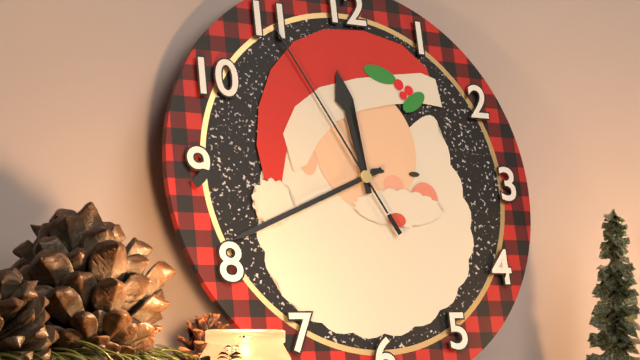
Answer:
11:41:55
